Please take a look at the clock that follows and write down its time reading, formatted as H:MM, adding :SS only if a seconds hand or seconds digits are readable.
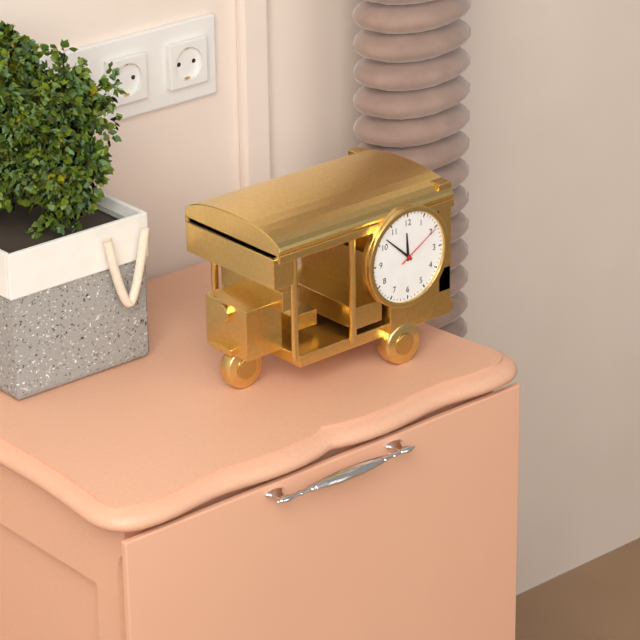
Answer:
11:52
